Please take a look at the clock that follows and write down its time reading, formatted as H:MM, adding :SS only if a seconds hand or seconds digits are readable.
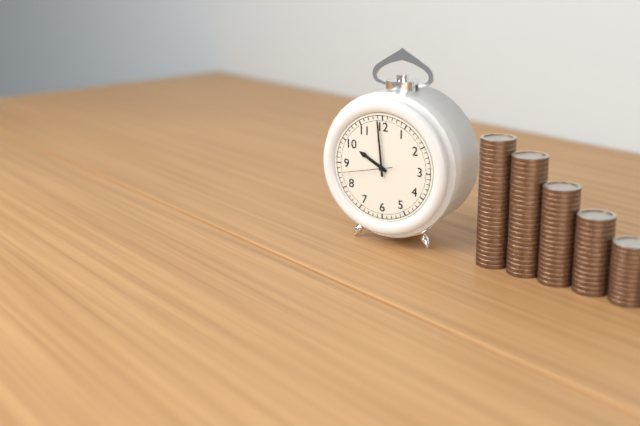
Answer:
9:59:43
